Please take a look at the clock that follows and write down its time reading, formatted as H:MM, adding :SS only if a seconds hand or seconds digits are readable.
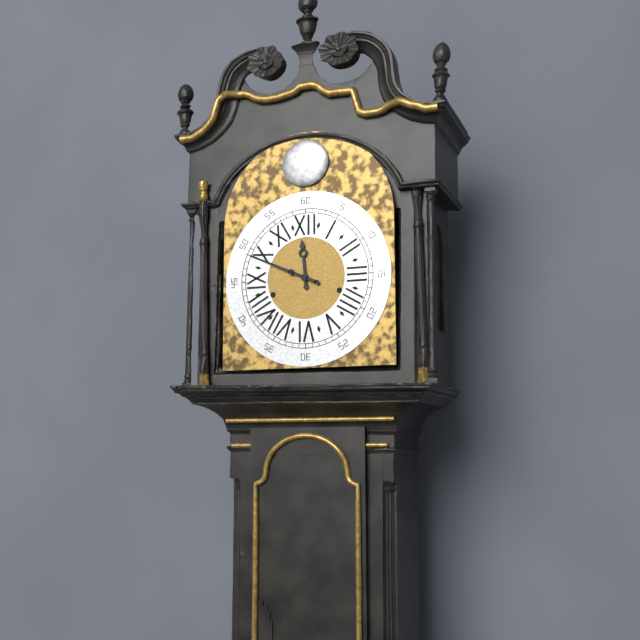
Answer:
11:49
